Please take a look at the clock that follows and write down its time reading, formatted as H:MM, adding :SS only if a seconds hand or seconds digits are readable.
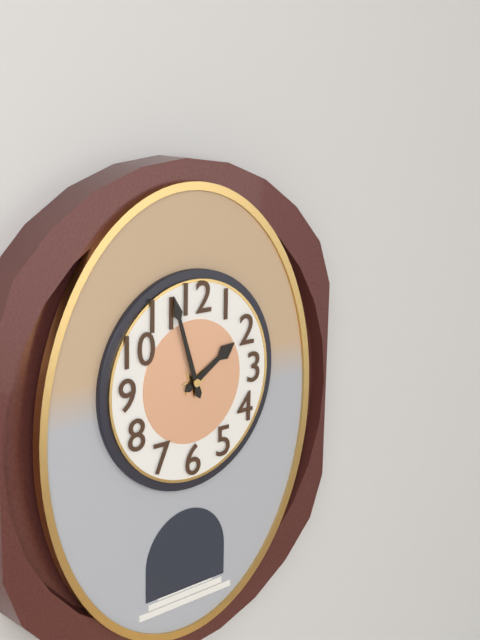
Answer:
1:57
